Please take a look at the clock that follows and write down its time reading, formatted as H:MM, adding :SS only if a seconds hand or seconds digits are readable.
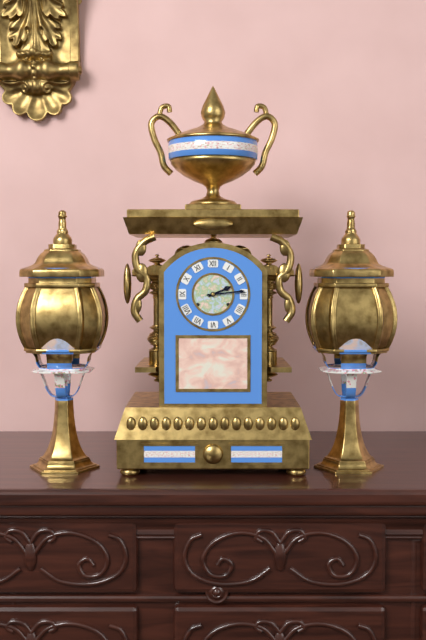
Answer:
2:14
